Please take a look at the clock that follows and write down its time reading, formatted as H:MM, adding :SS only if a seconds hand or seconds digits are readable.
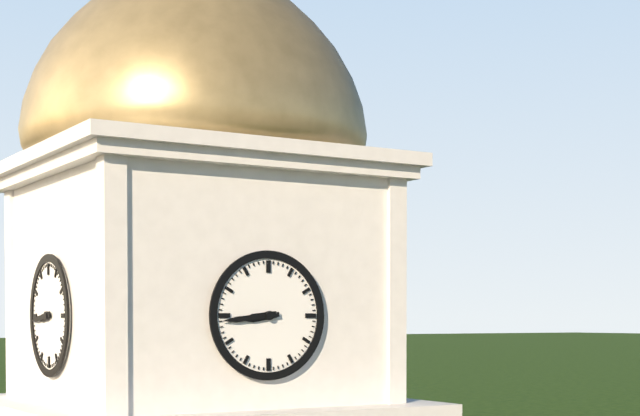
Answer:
8:44
